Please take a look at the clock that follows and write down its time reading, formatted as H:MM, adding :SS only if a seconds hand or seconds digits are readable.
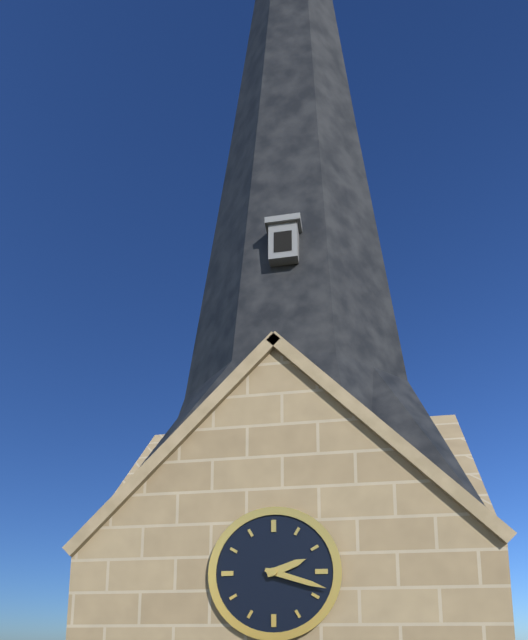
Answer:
2:18
